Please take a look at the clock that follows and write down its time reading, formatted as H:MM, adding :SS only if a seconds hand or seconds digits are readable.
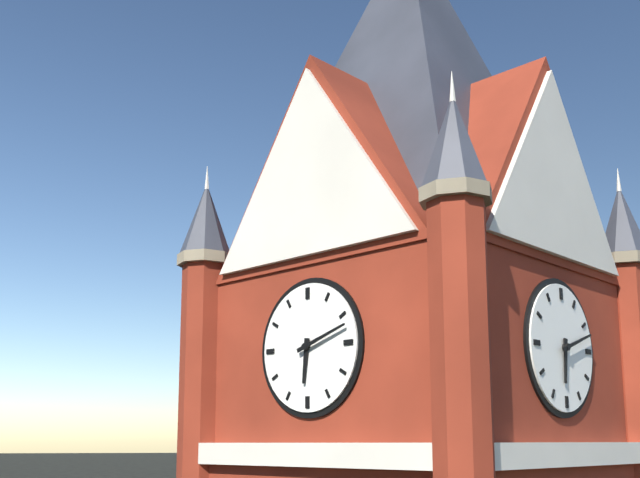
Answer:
6:12
